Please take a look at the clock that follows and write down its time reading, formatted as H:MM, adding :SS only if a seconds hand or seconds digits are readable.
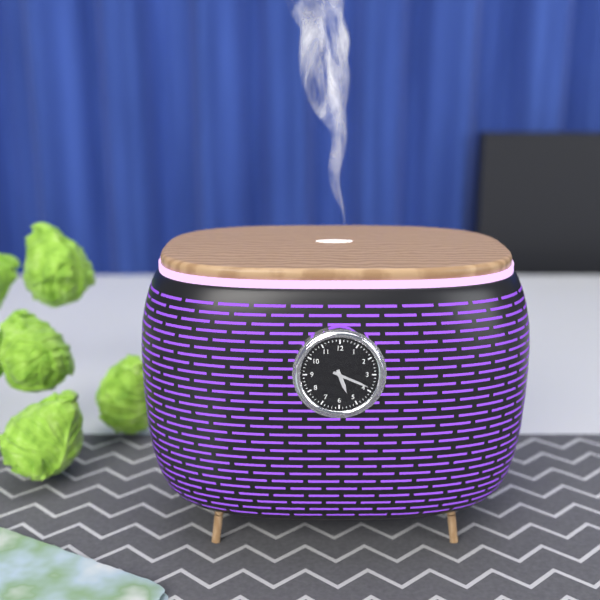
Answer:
5:19
